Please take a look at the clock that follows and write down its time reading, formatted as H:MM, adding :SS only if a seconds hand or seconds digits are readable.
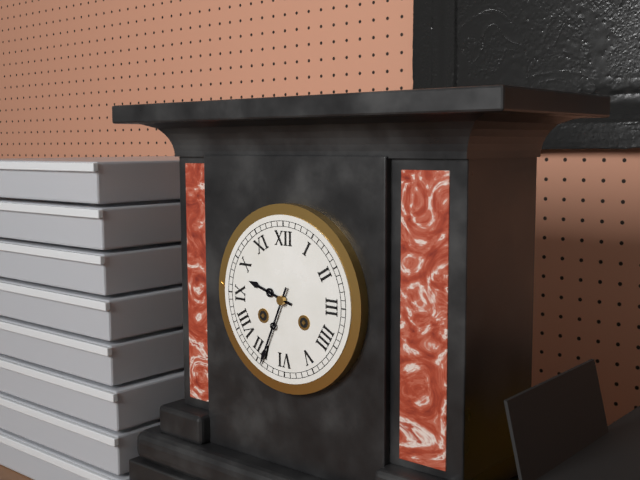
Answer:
9:34
